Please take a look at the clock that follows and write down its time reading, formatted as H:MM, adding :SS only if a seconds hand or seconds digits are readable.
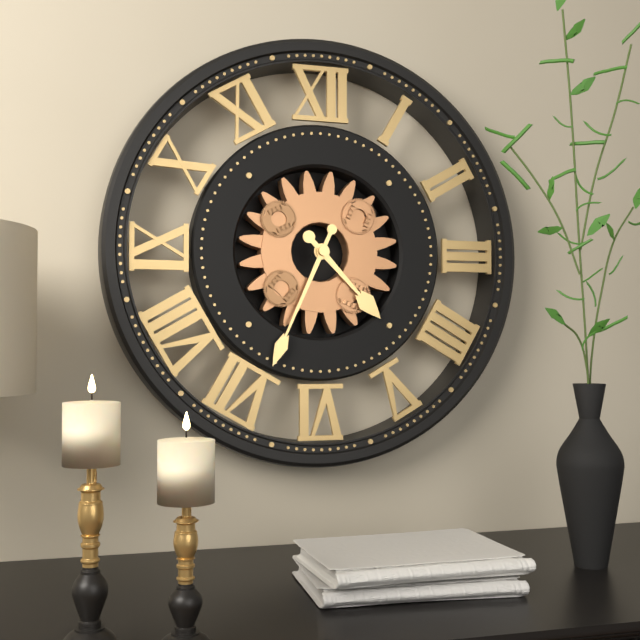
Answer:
4:34
